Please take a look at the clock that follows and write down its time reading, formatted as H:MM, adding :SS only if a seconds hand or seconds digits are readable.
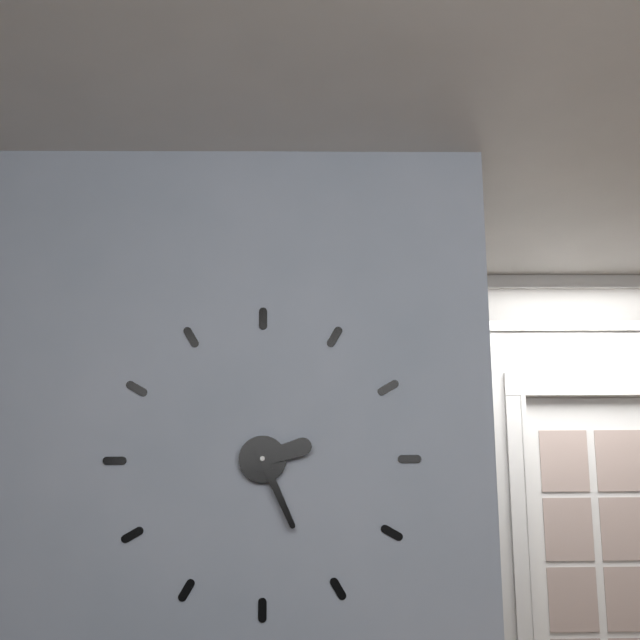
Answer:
2:26
